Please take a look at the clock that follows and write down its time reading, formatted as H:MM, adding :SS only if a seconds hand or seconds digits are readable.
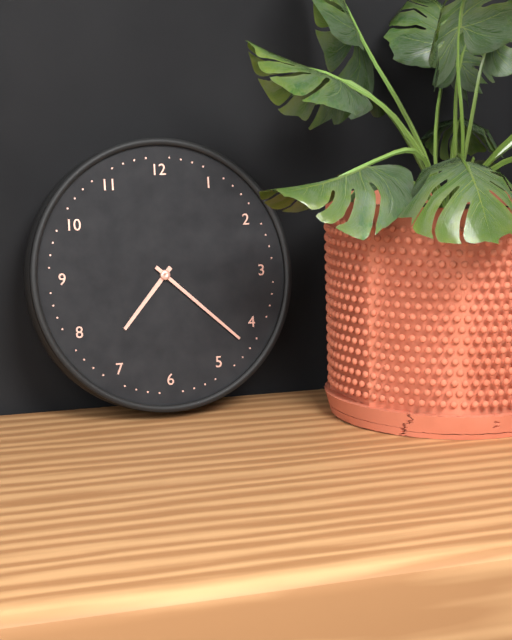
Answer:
7:22
